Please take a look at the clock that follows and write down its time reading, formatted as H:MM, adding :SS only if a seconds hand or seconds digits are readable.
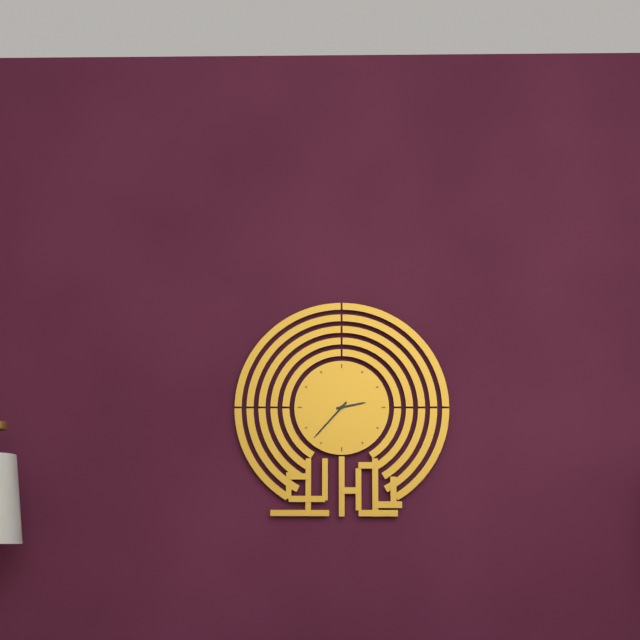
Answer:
2:37
